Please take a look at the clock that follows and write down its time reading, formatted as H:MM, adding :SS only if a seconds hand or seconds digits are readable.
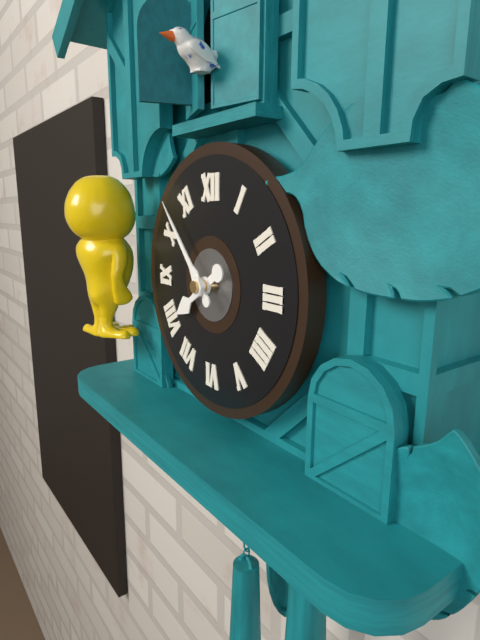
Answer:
7:53
